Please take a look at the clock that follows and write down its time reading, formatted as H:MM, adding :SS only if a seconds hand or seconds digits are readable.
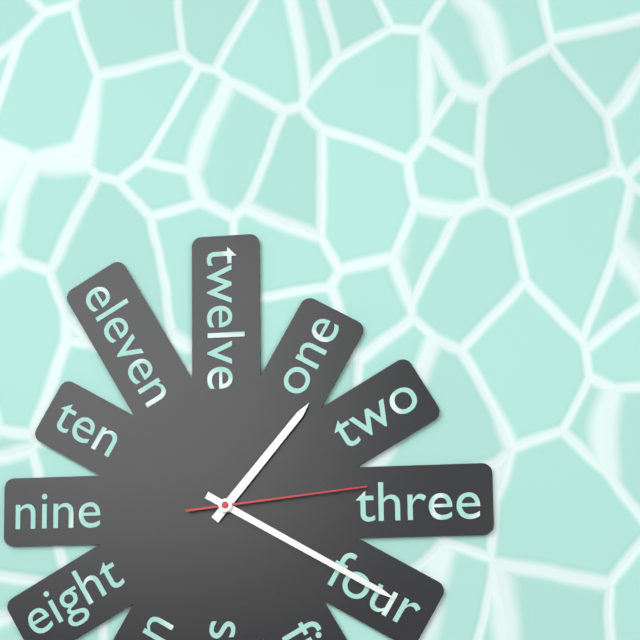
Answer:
1:20:14
